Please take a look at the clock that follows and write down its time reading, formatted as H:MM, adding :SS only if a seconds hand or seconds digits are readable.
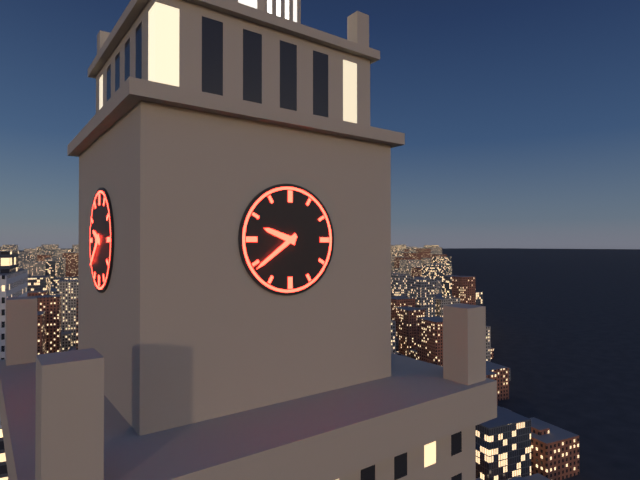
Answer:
9:39
